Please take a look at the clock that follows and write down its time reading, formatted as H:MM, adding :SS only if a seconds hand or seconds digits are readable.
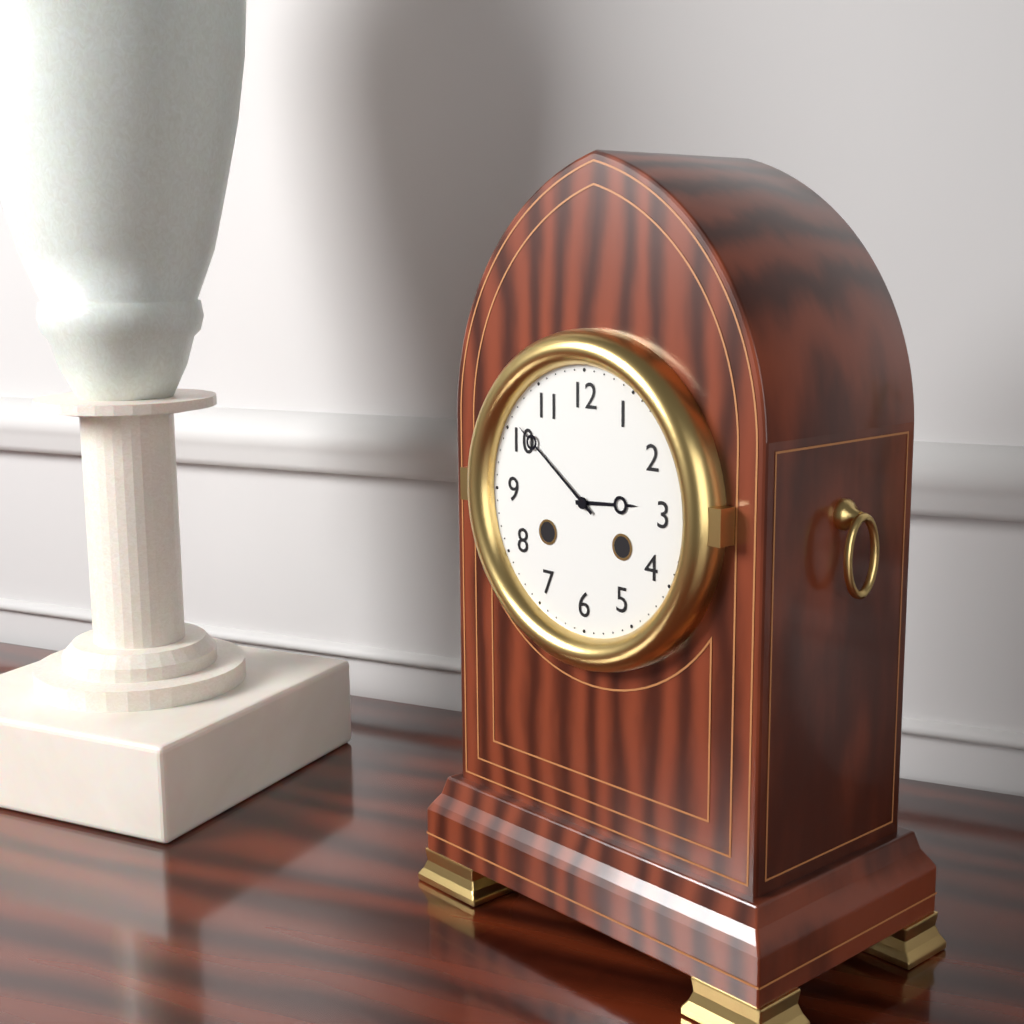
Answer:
2:51
